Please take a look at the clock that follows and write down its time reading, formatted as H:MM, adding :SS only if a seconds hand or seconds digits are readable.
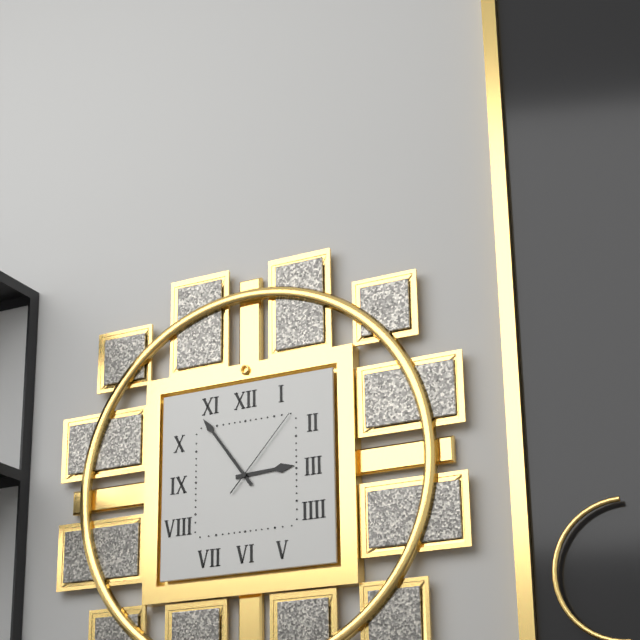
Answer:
2:54:07
